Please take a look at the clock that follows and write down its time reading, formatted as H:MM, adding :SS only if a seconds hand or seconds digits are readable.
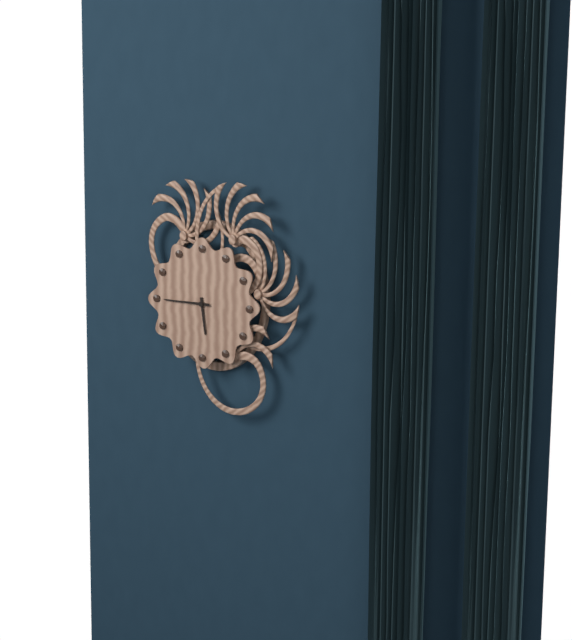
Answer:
5:45
